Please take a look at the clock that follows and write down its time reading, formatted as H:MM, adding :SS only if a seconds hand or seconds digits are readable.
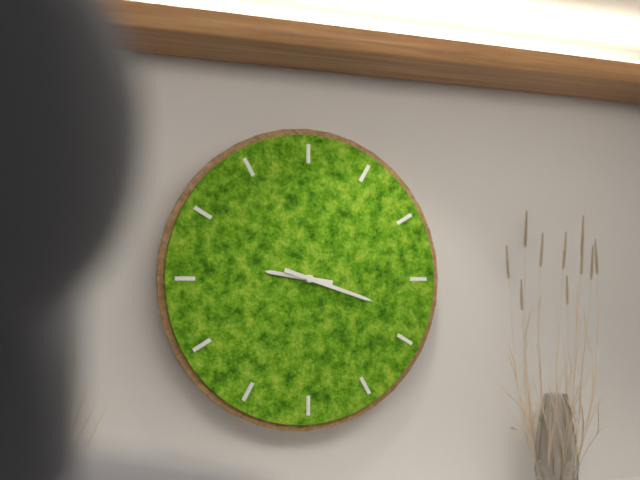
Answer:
9:18
